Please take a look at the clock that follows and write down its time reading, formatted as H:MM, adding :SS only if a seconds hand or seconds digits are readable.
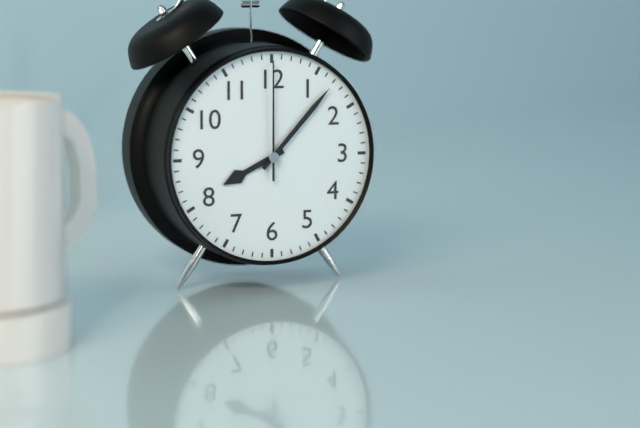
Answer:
8:07:00
